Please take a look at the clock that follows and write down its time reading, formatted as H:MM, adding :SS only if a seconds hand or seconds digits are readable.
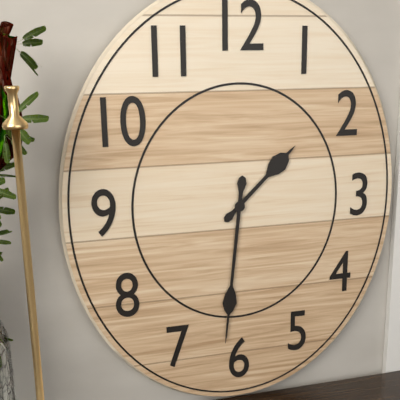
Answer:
1:31
